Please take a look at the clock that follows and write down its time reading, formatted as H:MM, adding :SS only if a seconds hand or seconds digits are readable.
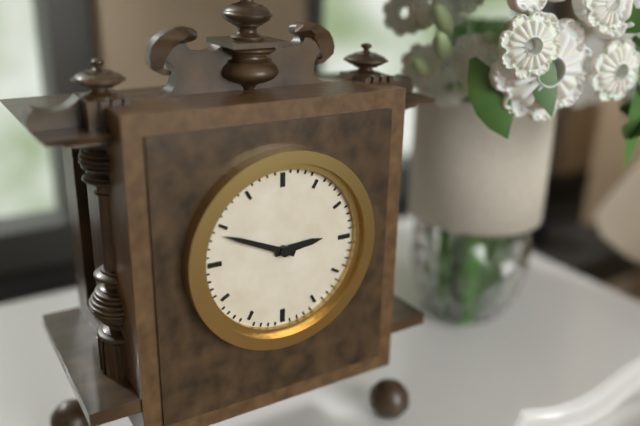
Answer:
2:49
